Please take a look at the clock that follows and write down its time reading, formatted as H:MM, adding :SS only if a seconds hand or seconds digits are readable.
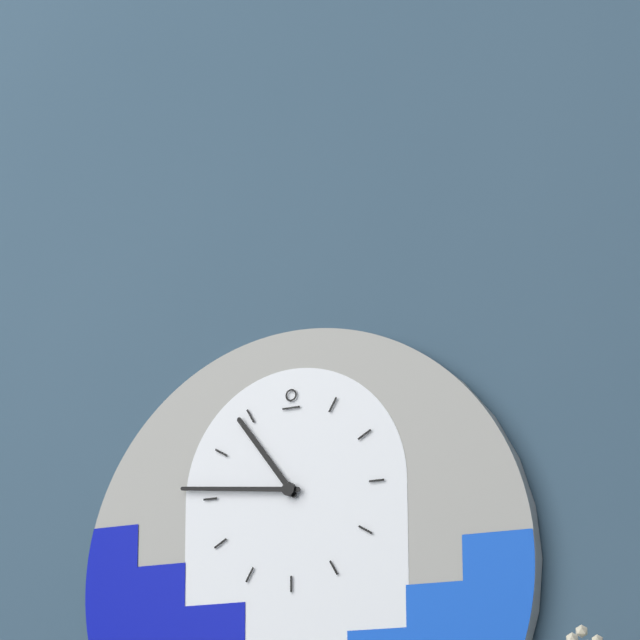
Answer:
10:46
